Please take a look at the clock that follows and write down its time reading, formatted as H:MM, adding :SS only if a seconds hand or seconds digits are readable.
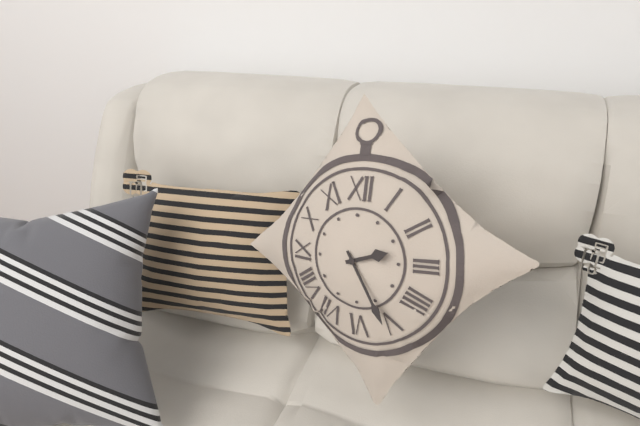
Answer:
2:25
